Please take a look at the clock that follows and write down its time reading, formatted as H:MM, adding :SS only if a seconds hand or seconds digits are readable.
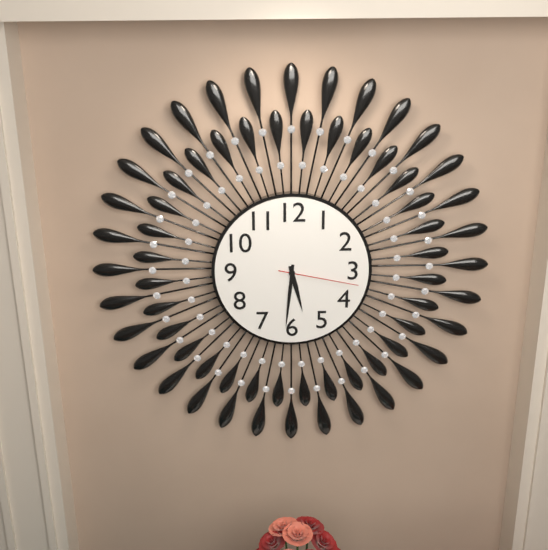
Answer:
5:31:17
